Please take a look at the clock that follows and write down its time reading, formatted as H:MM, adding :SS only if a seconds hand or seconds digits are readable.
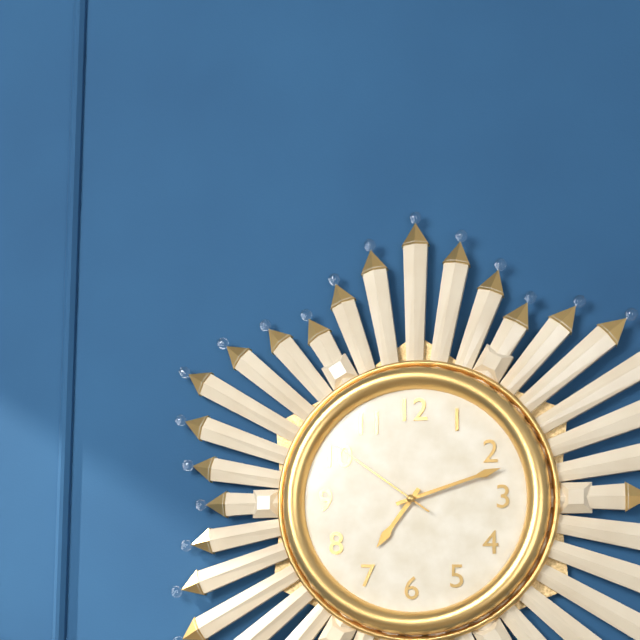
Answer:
7:12:51
